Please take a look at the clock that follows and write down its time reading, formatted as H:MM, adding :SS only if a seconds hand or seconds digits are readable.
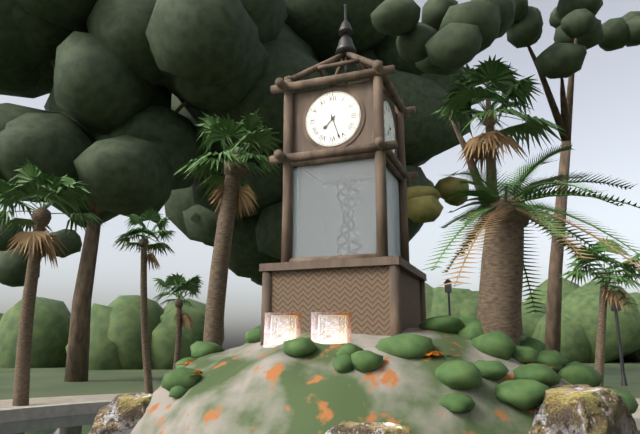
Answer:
7:27
